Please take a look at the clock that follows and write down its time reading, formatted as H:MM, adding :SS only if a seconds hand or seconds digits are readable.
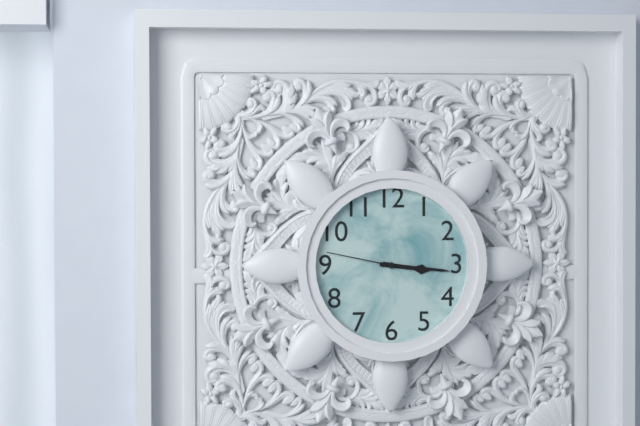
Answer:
3:16:47
